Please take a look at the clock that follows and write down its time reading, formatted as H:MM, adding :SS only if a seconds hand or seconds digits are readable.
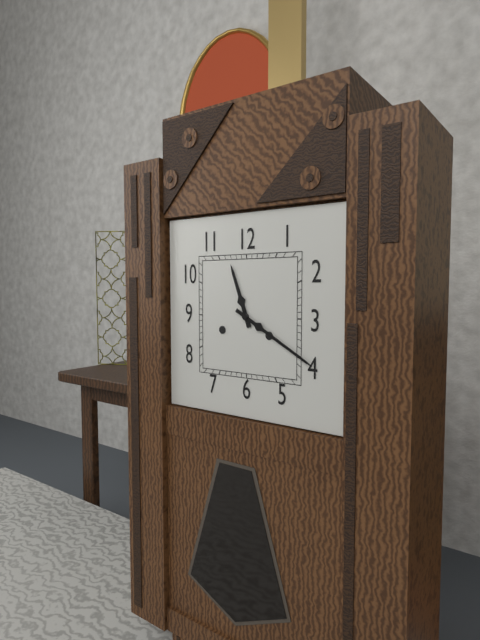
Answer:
11:20
